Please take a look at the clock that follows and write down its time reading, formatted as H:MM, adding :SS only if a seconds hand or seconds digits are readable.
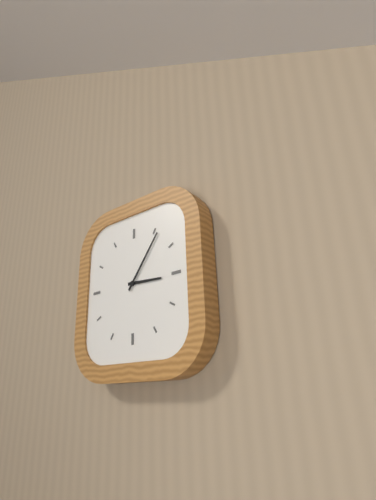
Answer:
3:06
